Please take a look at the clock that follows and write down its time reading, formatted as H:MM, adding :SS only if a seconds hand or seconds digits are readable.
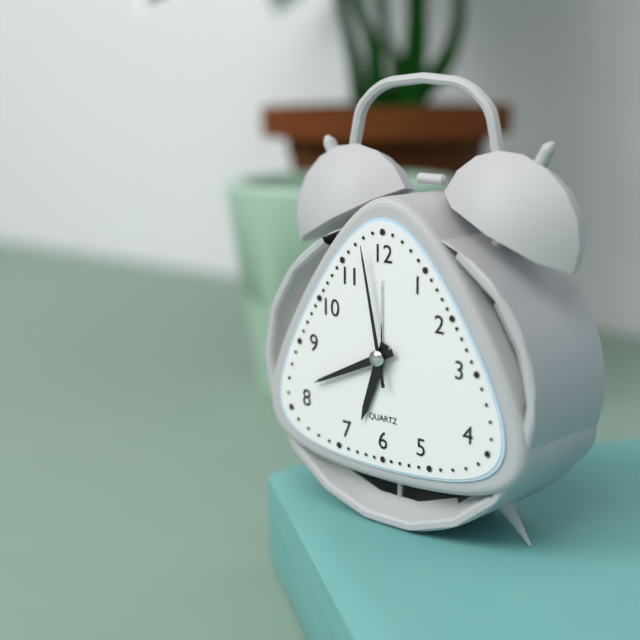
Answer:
6:41:58
